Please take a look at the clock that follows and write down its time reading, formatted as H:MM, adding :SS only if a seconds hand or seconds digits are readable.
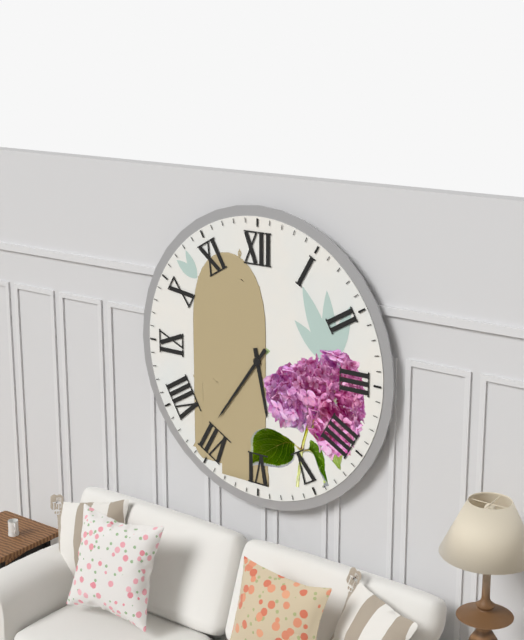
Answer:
5:36
